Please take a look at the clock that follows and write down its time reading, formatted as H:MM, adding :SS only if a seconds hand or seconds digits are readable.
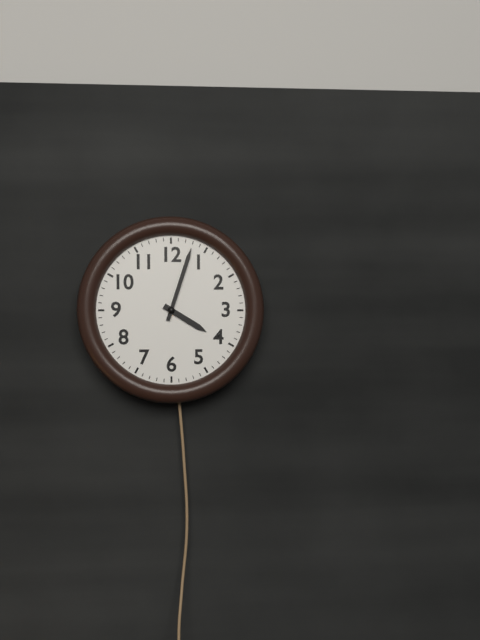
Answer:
4:03
